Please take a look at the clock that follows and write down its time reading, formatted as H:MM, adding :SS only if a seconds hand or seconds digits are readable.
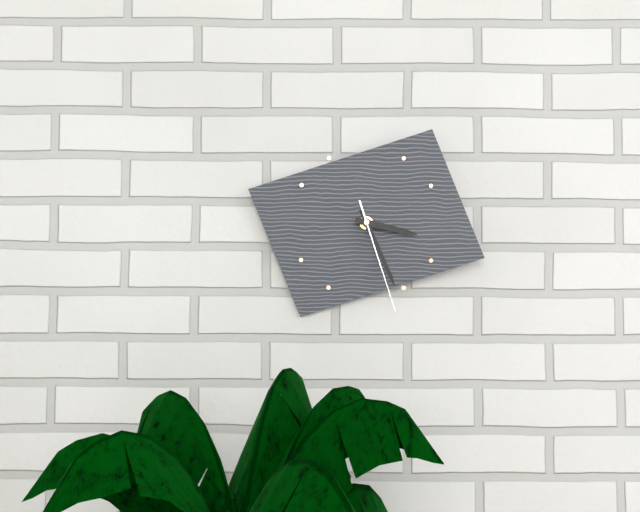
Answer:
3:26:27
